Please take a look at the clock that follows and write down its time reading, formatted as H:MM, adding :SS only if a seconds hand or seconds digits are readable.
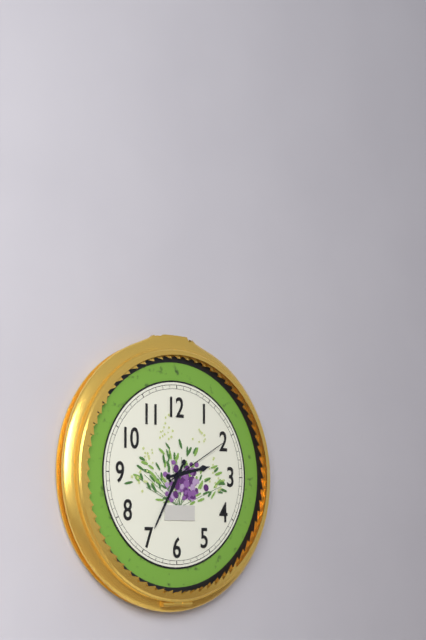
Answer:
2:35:10
